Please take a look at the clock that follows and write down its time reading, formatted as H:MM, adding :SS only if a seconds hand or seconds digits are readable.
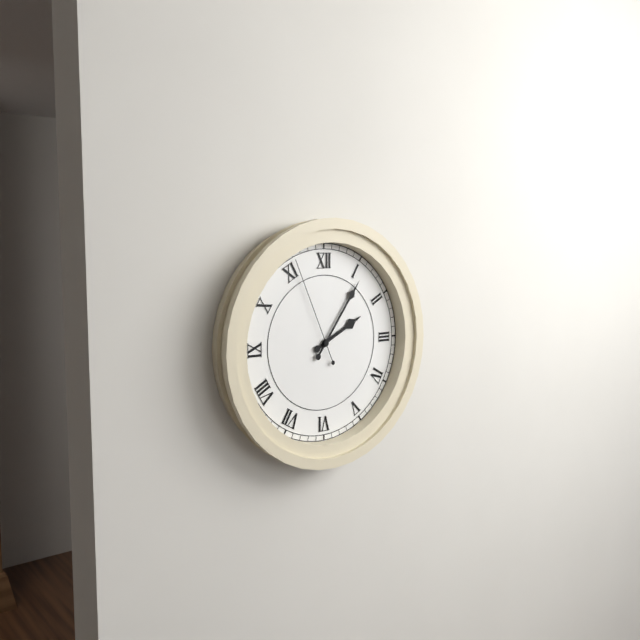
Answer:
2:06:56
